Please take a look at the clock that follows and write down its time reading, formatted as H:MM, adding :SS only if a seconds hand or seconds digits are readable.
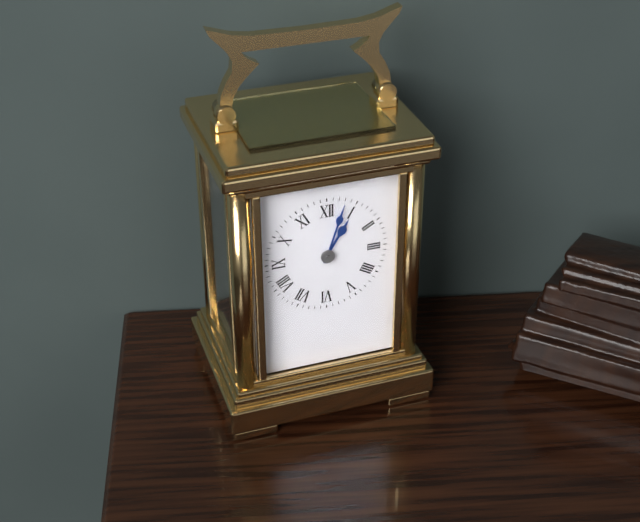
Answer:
1:03
